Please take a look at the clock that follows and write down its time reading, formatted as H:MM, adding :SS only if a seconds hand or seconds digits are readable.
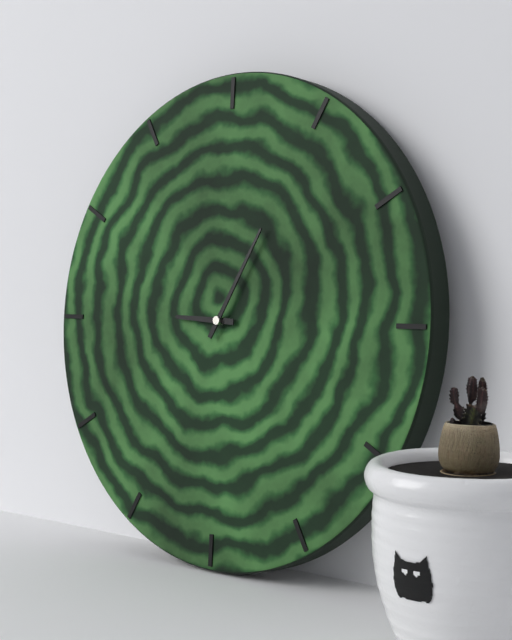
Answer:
9:05
